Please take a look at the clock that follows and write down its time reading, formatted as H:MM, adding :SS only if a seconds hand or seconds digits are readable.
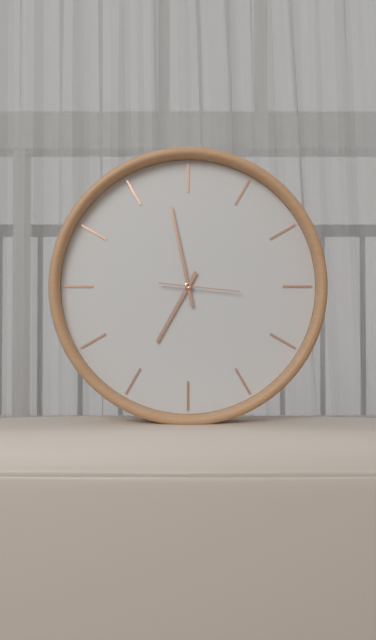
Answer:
6:58:16
